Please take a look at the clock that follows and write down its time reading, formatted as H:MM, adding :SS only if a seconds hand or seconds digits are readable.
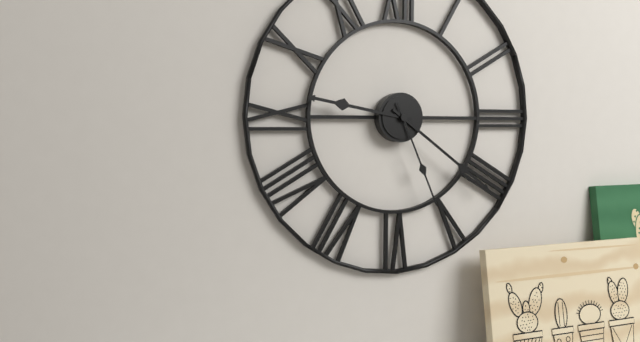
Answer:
9:21:26
